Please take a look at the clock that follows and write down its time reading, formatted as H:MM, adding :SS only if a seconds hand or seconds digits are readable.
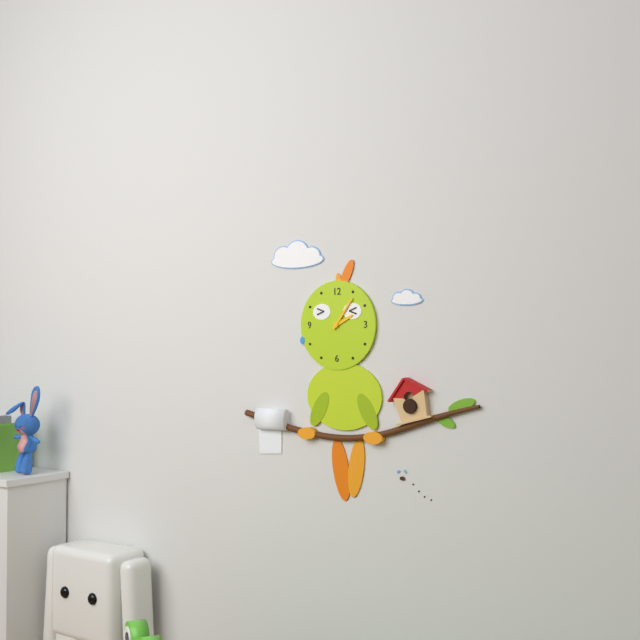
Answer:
2:06
